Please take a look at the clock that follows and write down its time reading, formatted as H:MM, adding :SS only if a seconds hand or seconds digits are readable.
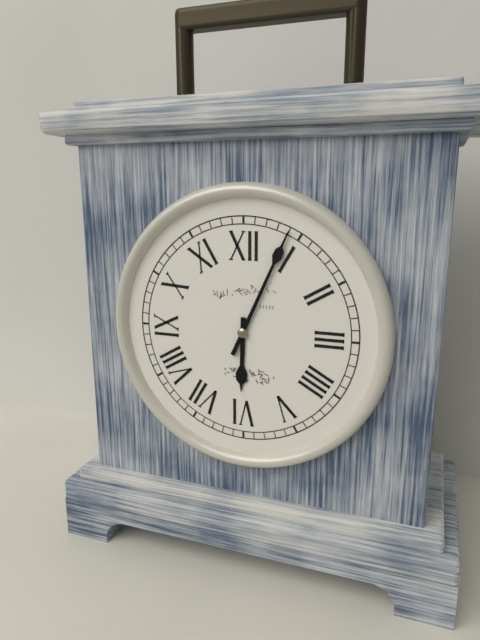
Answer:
6:04
